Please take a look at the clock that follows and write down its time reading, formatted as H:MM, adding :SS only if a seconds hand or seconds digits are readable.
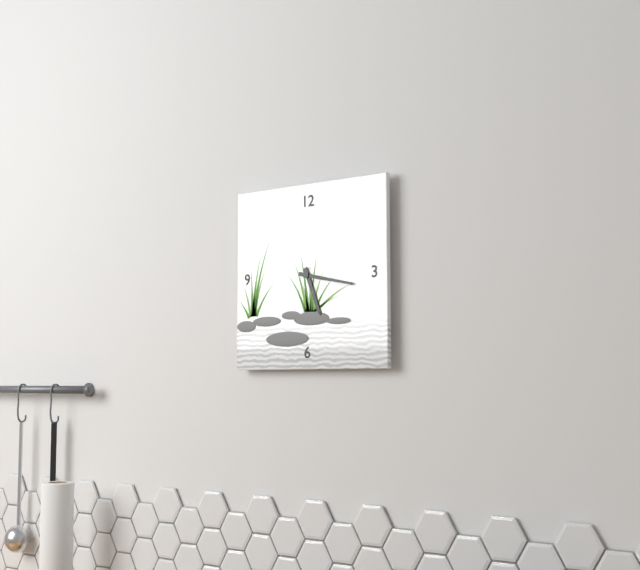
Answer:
5:17
